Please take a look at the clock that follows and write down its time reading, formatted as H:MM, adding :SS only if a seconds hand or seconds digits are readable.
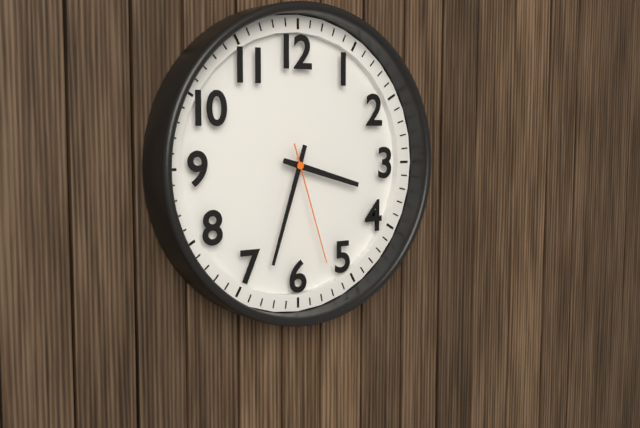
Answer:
3:33:27
